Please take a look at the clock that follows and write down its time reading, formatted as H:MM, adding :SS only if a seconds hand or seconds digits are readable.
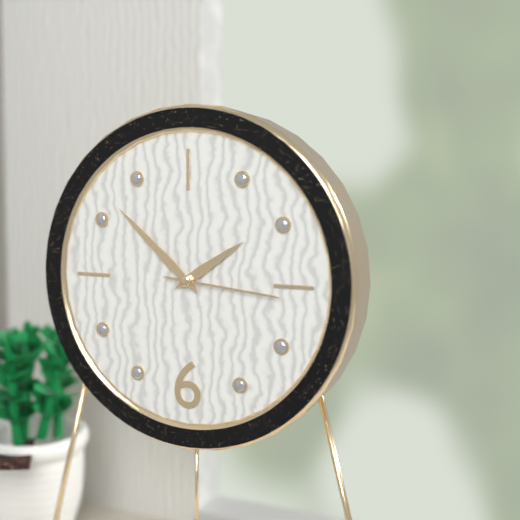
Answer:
1:52:16
